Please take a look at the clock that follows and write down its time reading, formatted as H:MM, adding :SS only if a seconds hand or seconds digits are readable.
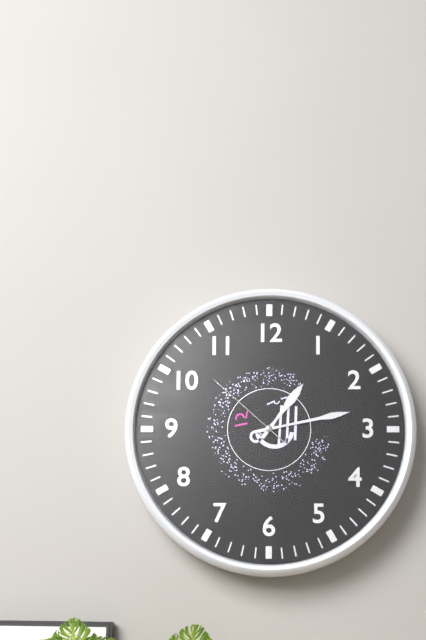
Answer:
1:13:52
